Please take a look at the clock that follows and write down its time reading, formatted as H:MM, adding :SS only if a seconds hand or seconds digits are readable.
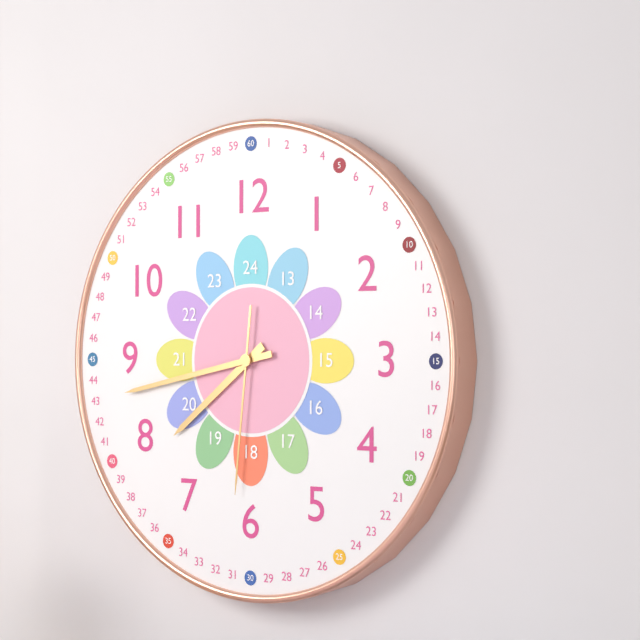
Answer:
7:43:31
